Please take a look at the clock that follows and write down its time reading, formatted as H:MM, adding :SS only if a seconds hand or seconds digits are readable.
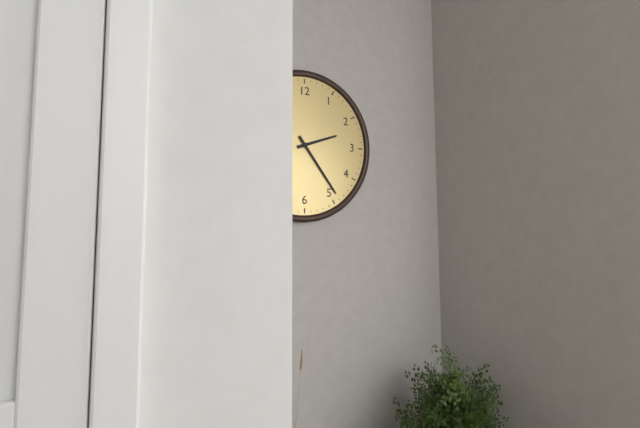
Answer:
2:24
